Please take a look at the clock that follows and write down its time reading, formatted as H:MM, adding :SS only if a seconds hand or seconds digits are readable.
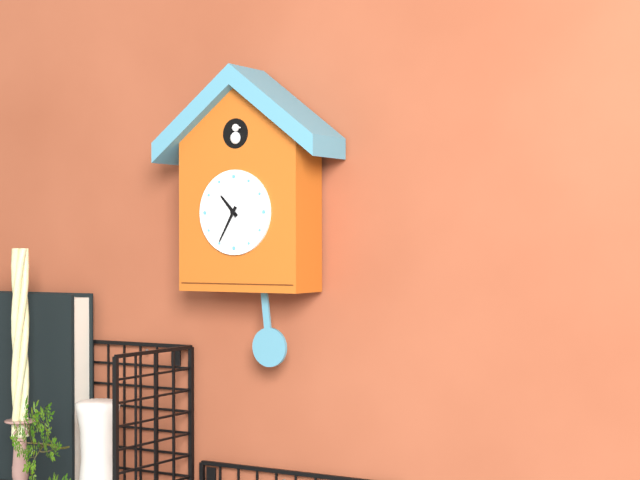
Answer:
10:35
